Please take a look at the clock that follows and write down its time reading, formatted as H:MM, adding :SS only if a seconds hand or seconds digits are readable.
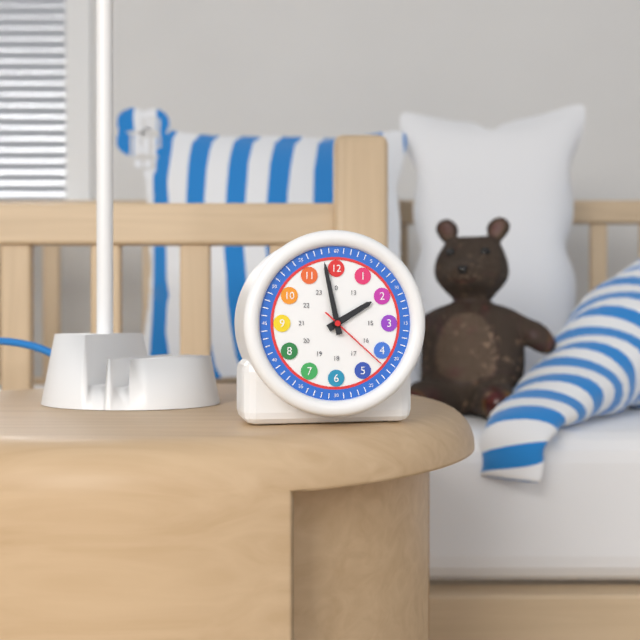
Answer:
1:58:22
